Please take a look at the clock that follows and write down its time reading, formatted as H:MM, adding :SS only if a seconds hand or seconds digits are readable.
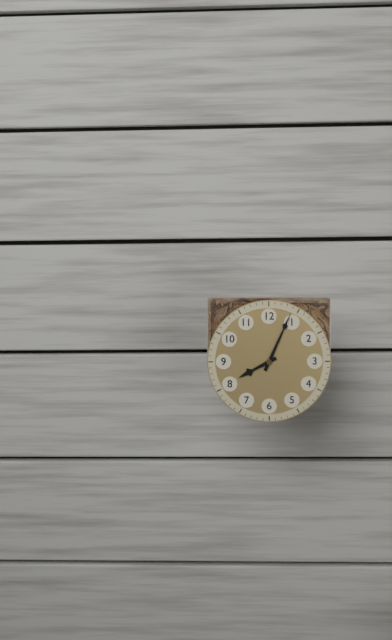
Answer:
8:04
